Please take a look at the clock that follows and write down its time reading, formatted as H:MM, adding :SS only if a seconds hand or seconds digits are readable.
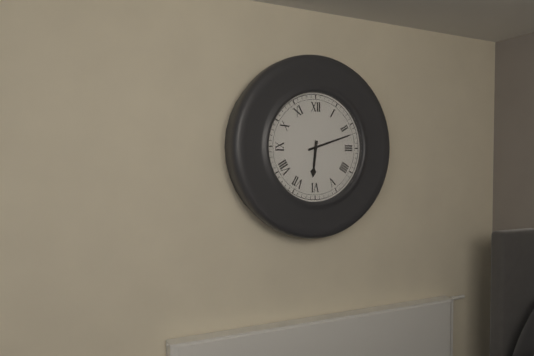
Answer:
6:12
